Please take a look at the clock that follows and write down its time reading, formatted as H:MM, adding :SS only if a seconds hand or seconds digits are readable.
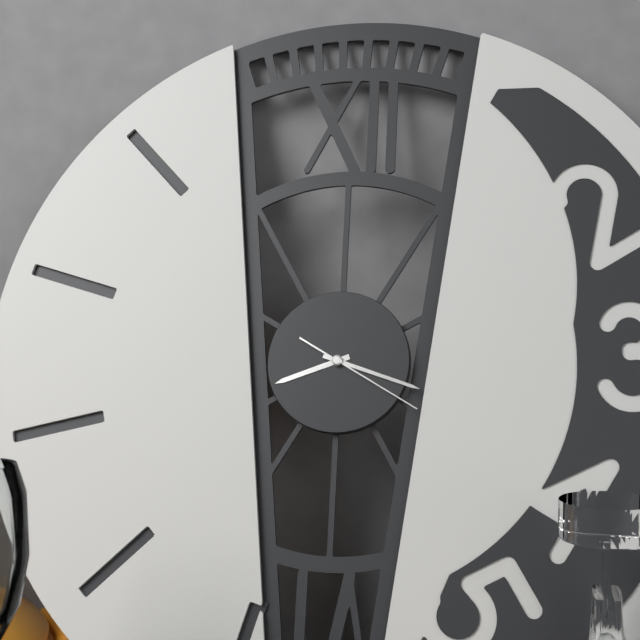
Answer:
8:18:20
